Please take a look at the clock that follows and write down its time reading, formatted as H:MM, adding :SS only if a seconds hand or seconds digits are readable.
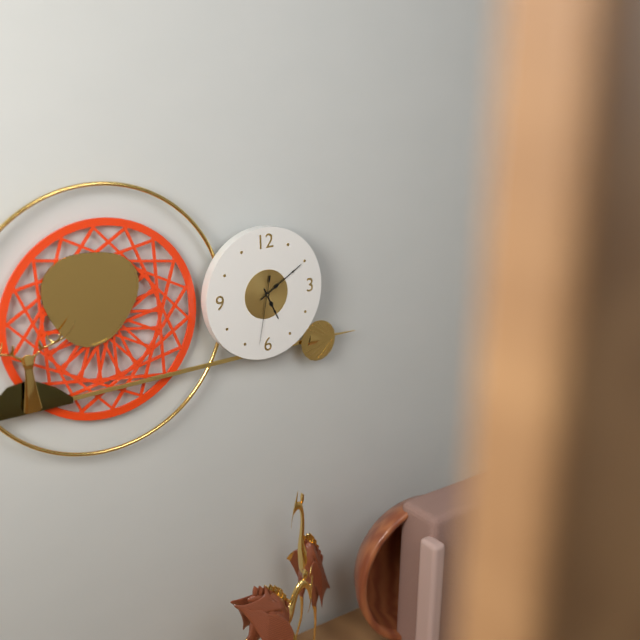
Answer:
5:10:32
